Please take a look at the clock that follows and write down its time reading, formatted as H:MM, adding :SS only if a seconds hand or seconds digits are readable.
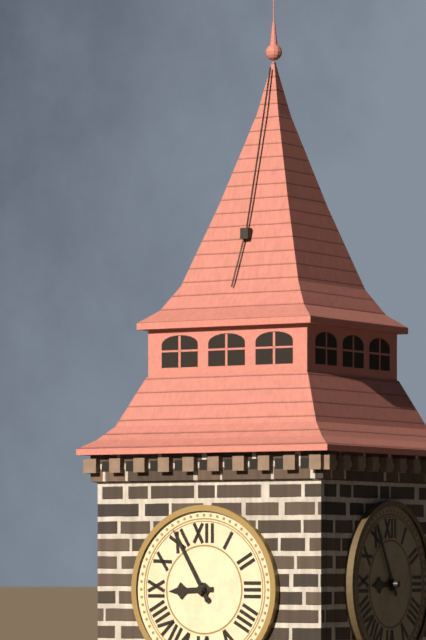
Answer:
8:55
